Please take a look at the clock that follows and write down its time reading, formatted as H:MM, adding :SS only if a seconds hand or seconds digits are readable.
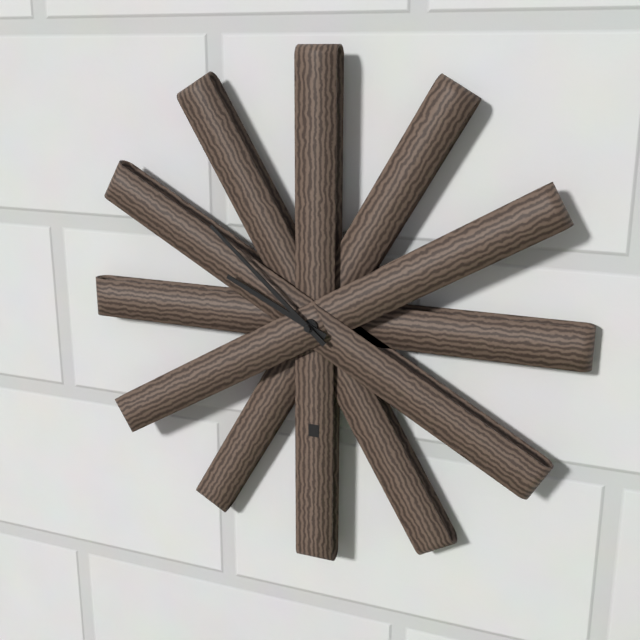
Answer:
9:52
